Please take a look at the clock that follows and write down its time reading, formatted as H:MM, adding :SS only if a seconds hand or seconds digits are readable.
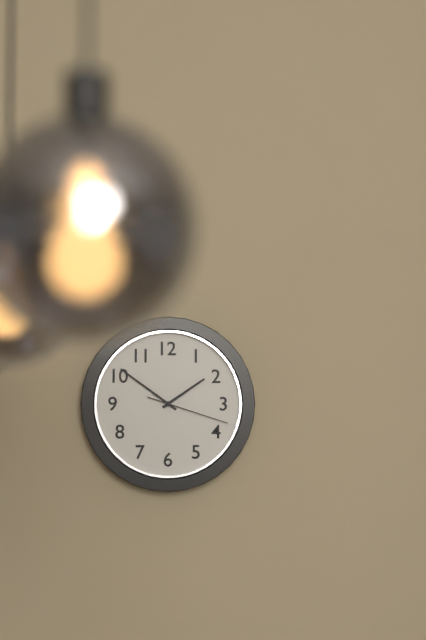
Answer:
1:51:18
